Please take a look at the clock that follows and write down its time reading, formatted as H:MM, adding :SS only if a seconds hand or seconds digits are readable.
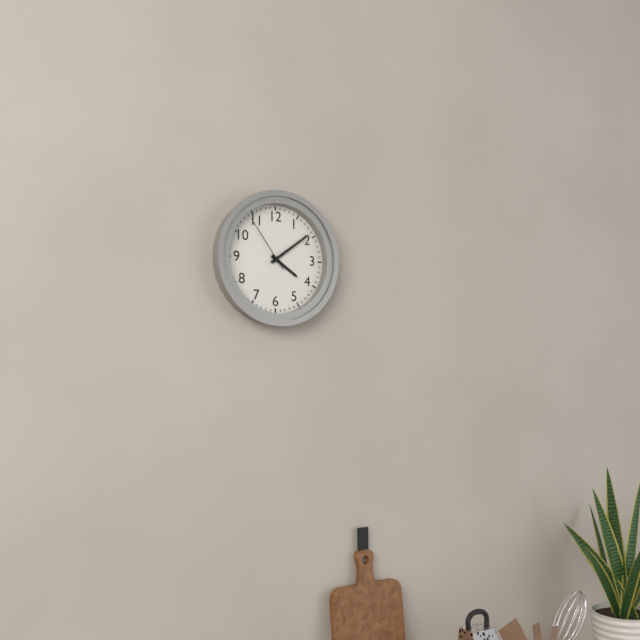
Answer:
4:09:54
